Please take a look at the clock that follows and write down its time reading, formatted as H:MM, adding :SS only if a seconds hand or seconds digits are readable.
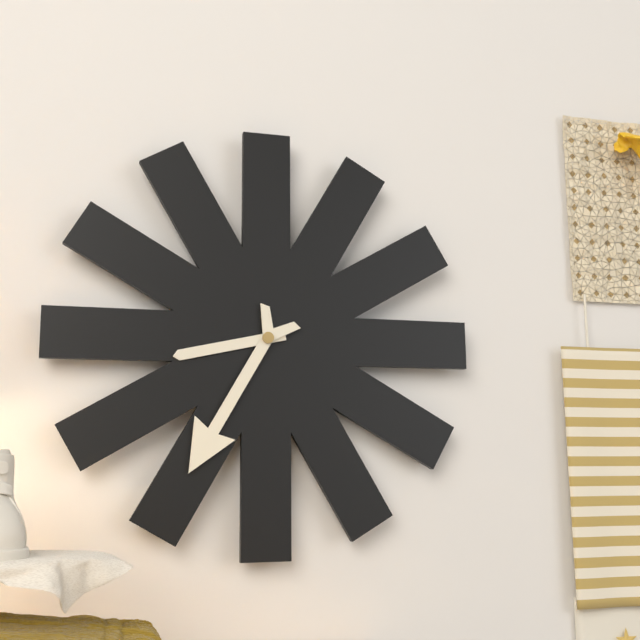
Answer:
8:35
